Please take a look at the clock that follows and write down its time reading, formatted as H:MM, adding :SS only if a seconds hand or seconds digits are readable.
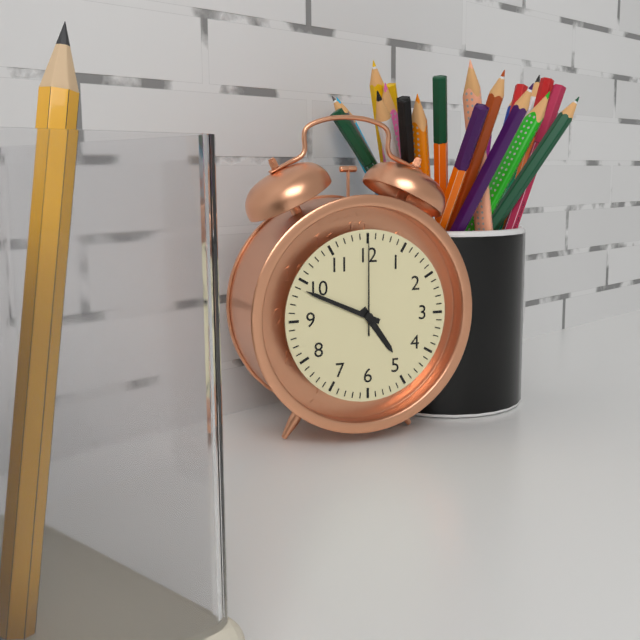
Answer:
4:49:00
